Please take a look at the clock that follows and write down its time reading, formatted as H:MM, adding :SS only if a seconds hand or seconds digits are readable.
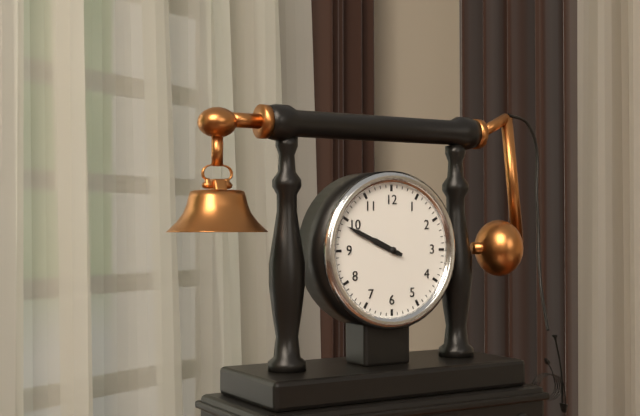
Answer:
9:49
